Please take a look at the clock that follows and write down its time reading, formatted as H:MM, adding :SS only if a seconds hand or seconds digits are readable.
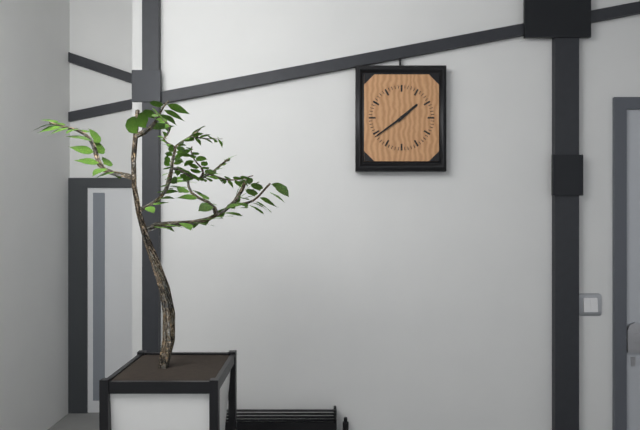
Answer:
1:39
